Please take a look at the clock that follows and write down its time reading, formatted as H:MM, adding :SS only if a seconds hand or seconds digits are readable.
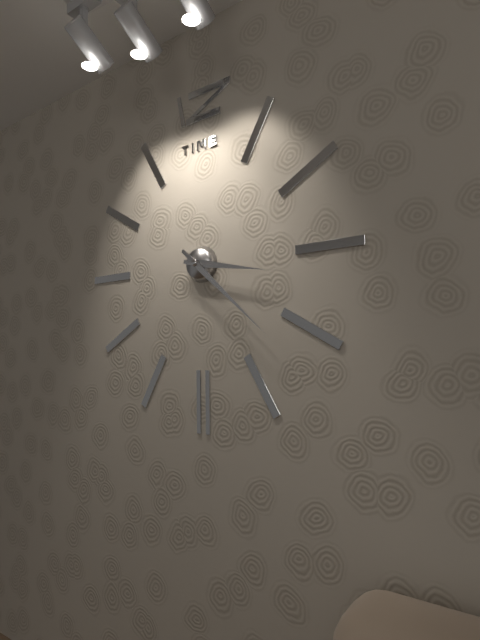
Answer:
3:22
